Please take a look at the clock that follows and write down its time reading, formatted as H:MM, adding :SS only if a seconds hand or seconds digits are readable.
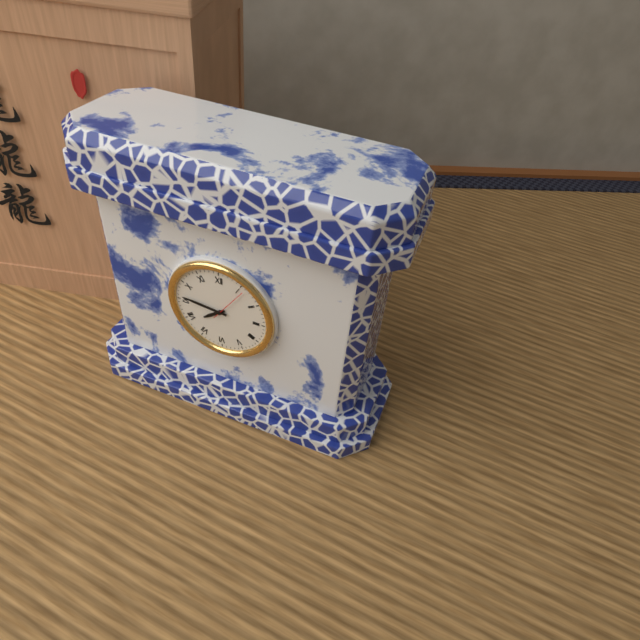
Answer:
7:46
